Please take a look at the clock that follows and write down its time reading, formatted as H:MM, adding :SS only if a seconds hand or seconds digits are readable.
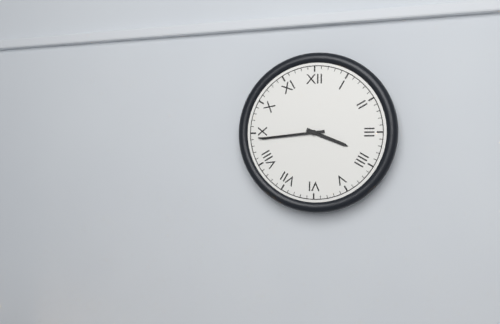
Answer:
3:44
